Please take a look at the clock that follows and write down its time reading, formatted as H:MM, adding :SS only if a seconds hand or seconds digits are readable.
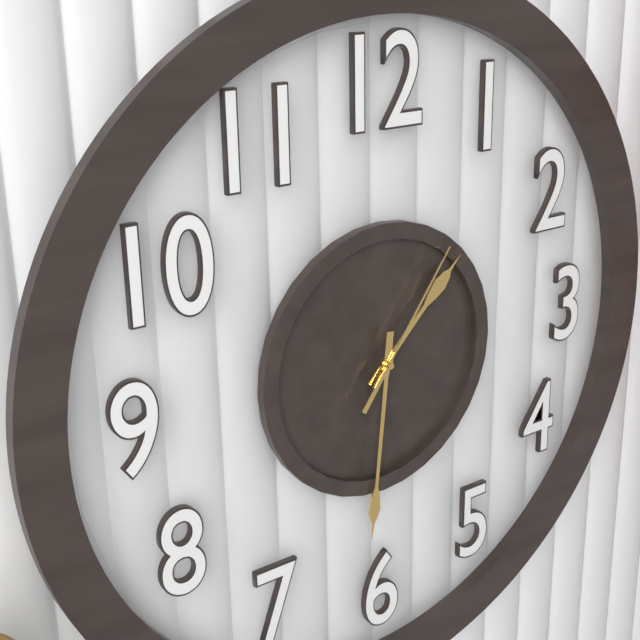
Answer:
1:31:06
